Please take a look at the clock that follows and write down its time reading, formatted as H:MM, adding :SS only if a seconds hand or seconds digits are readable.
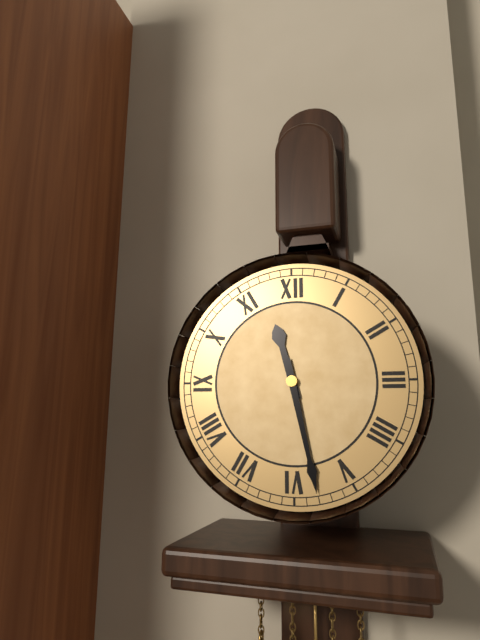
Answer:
11:28
